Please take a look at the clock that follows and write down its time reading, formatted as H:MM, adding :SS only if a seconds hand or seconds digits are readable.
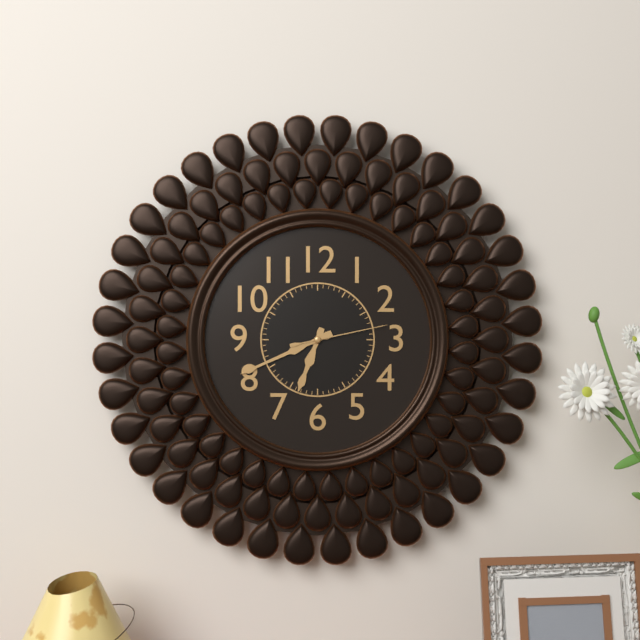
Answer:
6:41:13
